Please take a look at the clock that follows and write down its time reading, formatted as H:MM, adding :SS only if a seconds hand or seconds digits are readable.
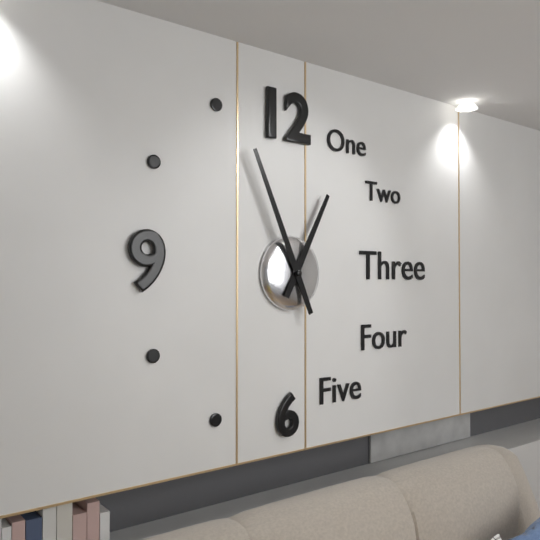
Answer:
12:56
